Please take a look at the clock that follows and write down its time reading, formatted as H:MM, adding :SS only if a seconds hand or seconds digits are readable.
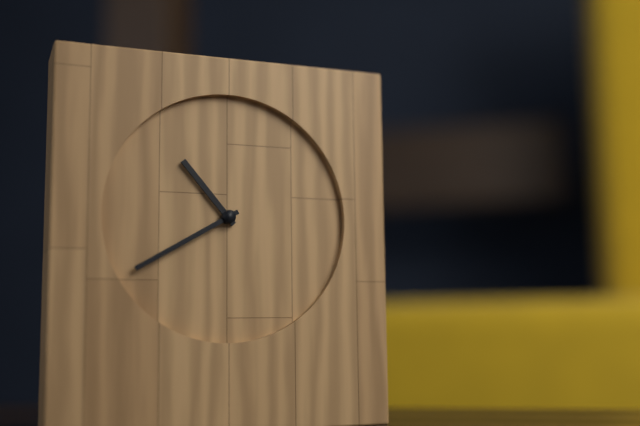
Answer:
10:40
